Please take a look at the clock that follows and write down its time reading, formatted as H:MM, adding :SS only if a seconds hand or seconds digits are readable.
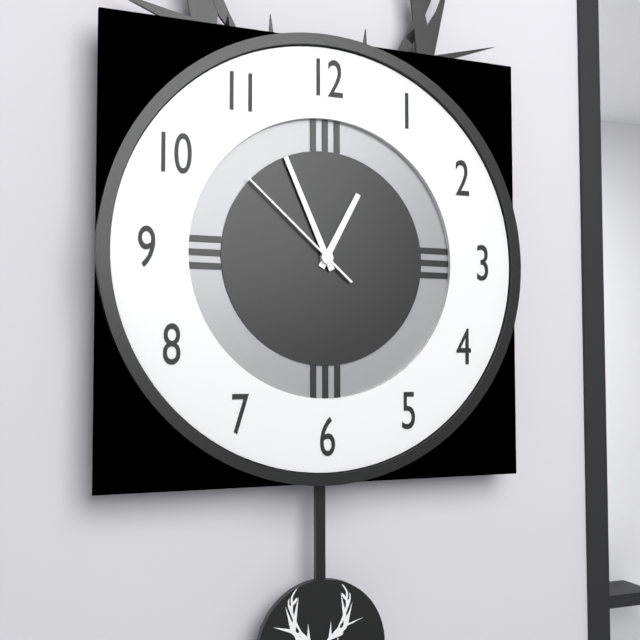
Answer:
12:56:52
